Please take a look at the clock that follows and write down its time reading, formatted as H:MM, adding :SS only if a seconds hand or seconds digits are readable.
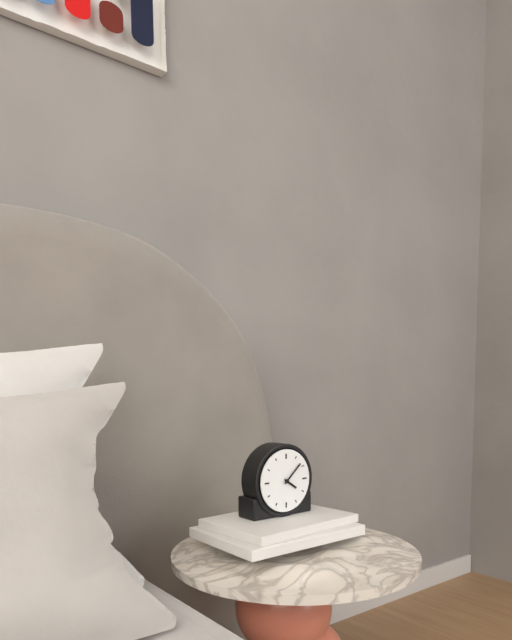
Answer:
4:08
